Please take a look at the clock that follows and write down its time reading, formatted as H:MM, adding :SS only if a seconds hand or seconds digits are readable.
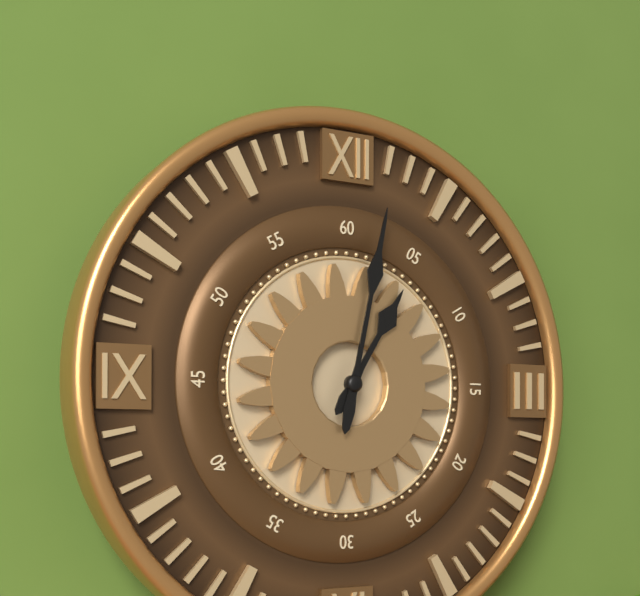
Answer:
1:02
